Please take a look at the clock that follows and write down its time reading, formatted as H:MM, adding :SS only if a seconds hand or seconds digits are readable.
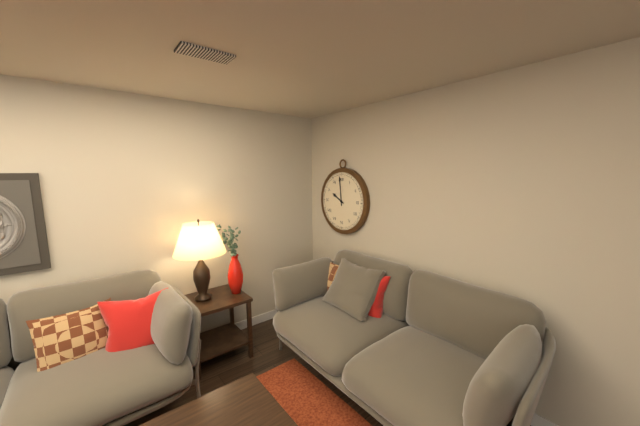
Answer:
9:59
